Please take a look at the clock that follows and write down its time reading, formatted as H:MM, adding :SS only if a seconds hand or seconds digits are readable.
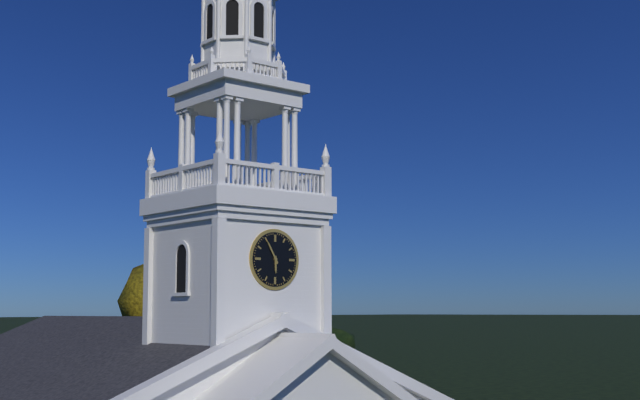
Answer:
5:55
